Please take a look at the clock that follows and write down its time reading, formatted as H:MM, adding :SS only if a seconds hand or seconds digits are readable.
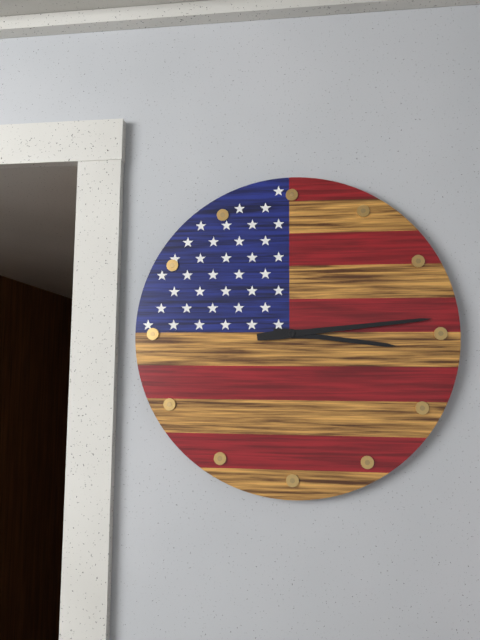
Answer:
3:14
